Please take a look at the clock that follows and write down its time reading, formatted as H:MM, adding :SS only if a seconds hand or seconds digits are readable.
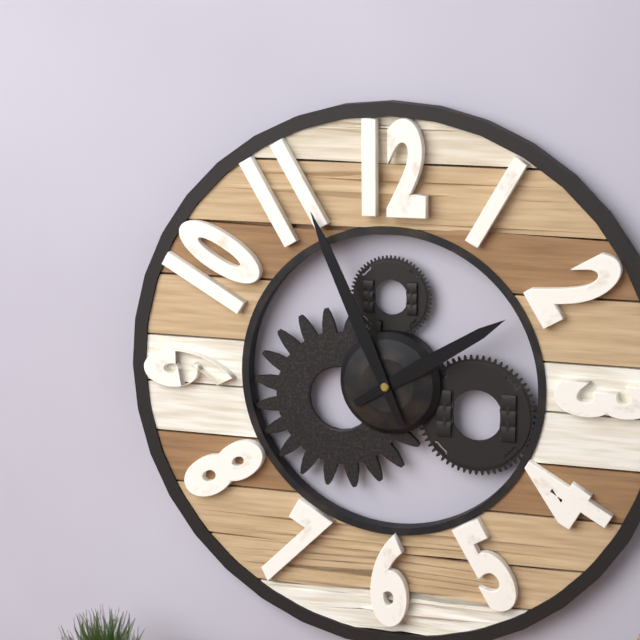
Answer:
1:56
